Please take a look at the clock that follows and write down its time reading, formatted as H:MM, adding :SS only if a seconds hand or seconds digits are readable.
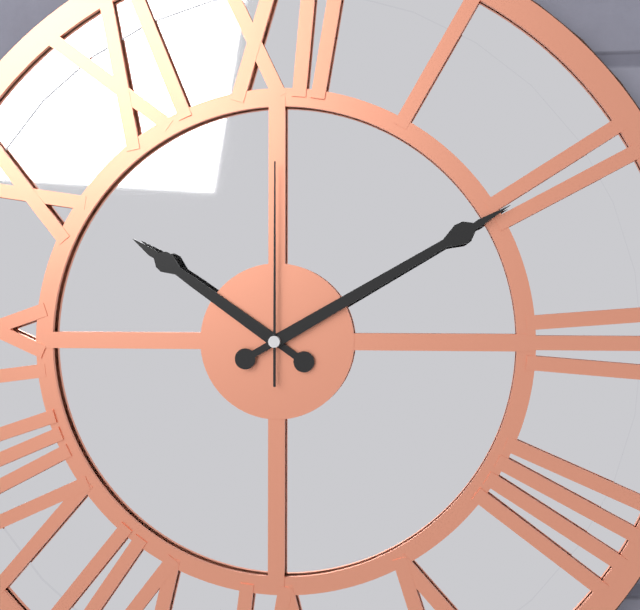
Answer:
10:10:00
